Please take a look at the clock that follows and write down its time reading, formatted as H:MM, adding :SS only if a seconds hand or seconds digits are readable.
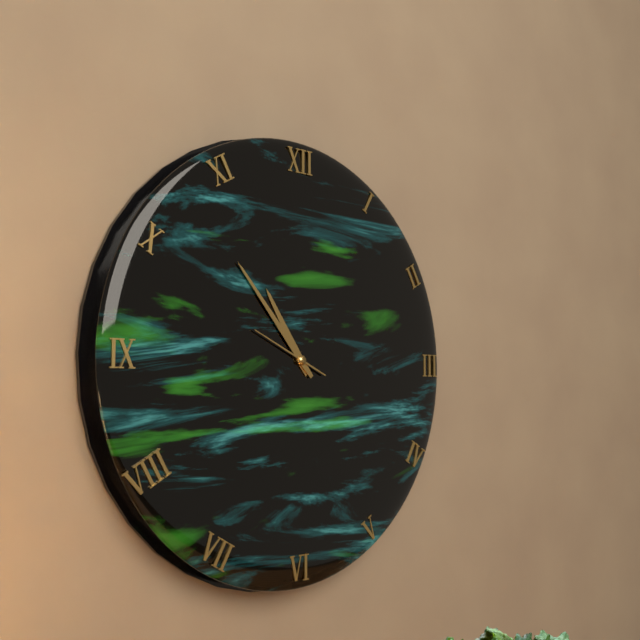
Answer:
10:53:49
